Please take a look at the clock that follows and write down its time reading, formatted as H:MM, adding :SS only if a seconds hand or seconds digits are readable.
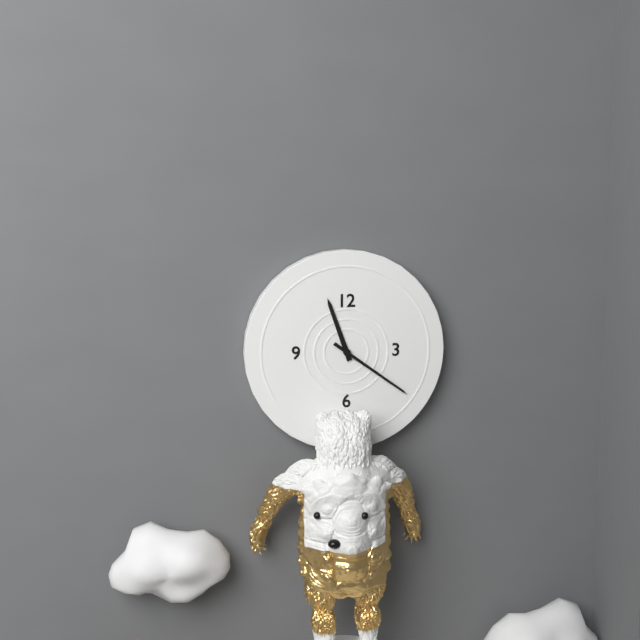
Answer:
11:21
